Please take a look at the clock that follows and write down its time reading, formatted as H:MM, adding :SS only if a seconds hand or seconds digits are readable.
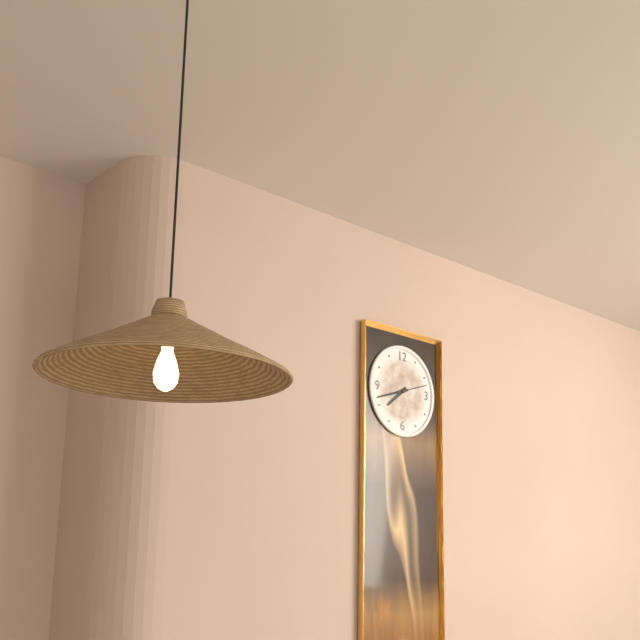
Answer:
7:42
